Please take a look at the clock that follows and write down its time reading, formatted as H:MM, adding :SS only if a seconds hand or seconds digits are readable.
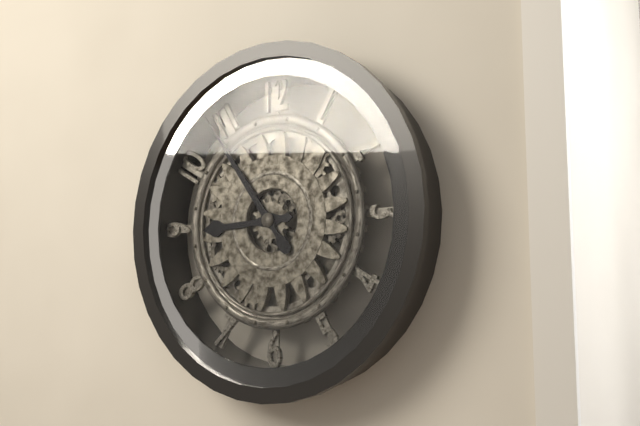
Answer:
8:54
